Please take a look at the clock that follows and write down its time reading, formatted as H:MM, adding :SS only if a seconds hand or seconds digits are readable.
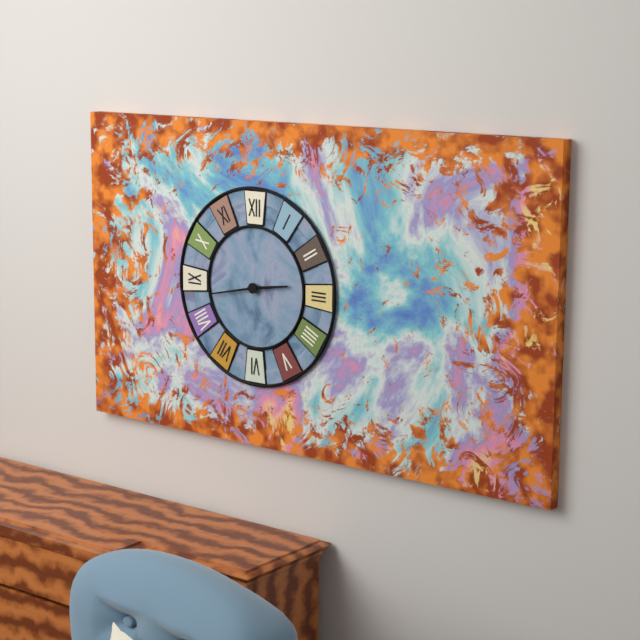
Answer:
2:43
